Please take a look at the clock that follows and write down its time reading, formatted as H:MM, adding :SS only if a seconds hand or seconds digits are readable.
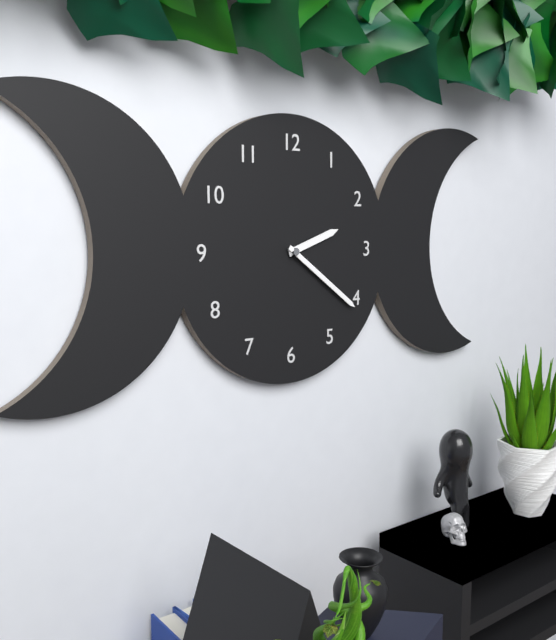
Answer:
2:21
